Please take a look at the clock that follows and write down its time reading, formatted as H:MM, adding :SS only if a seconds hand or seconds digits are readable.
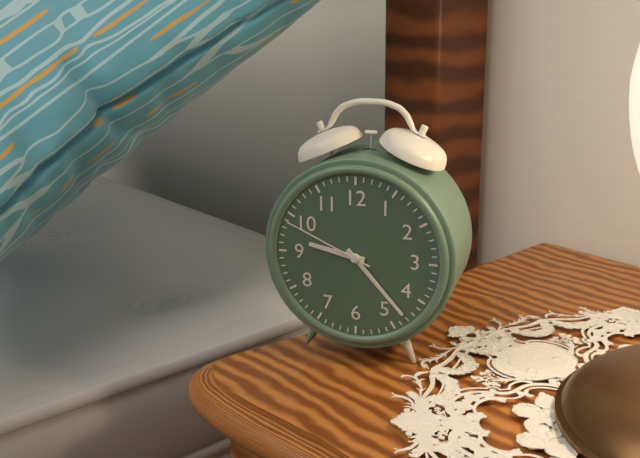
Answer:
9:23:49
